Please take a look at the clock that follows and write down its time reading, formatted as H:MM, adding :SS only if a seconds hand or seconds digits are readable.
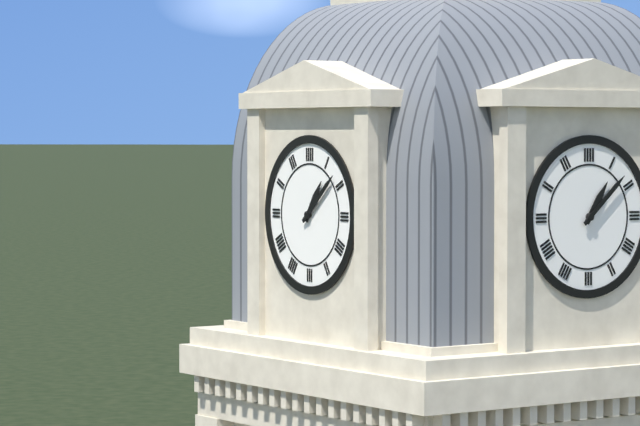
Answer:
1:08
